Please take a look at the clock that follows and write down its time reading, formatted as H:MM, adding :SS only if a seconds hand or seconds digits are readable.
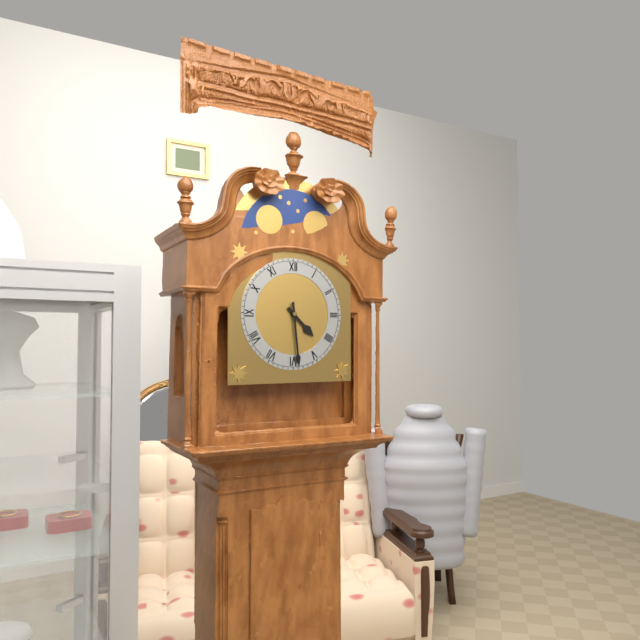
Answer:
4:29
